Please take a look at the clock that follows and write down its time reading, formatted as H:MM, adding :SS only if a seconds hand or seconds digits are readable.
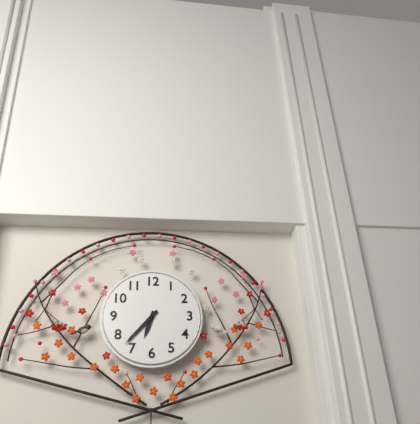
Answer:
6:37
